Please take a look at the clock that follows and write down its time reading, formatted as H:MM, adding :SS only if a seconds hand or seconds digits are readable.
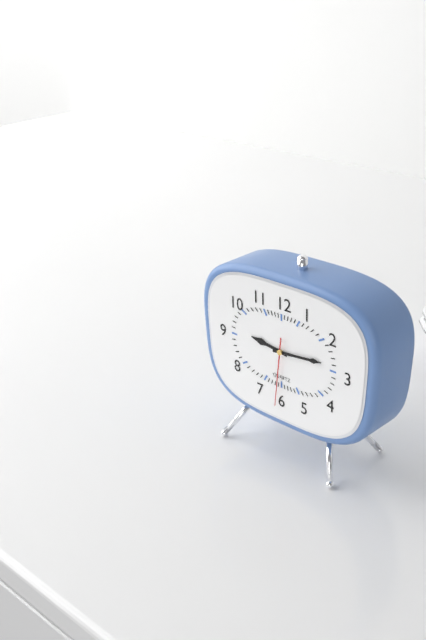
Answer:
9:14:31
